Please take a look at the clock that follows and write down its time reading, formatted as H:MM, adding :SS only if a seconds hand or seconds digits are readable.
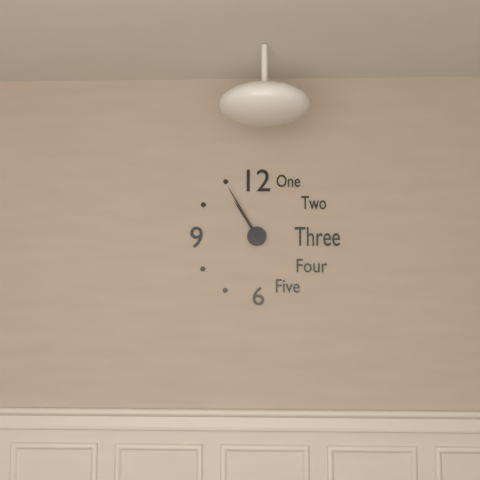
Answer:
10:55
